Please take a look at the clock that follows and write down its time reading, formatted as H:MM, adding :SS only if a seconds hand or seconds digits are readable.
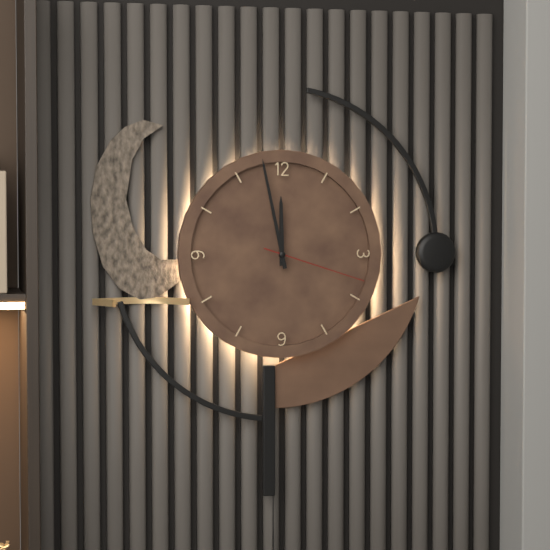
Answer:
11:58:18
